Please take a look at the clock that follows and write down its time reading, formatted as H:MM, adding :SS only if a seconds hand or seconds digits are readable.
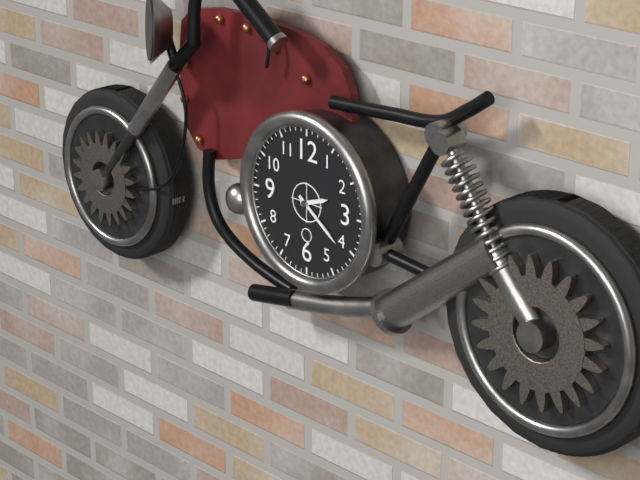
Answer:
2:21
